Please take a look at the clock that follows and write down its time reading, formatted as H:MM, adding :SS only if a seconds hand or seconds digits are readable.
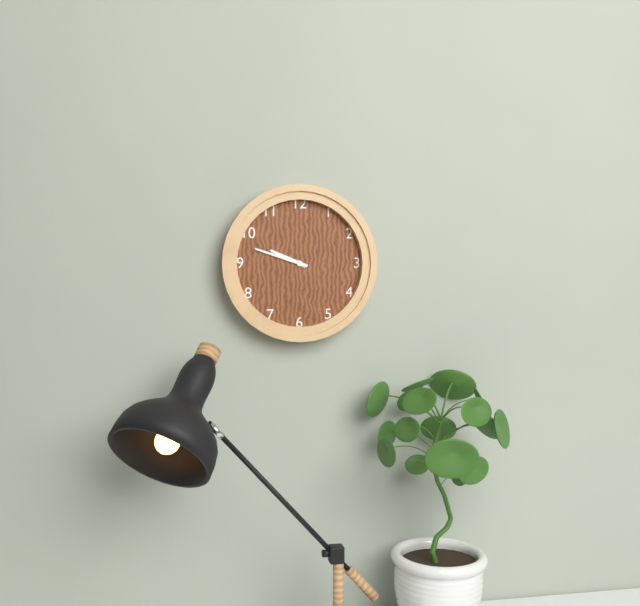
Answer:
9:48
